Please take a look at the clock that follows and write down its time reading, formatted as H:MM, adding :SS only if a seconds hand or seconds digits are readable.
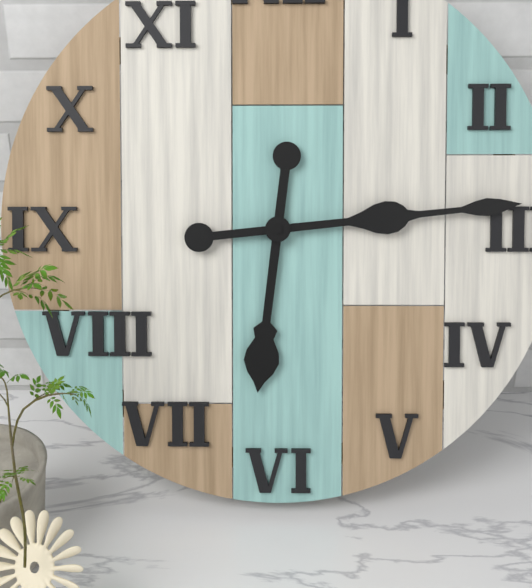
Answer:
6:14
